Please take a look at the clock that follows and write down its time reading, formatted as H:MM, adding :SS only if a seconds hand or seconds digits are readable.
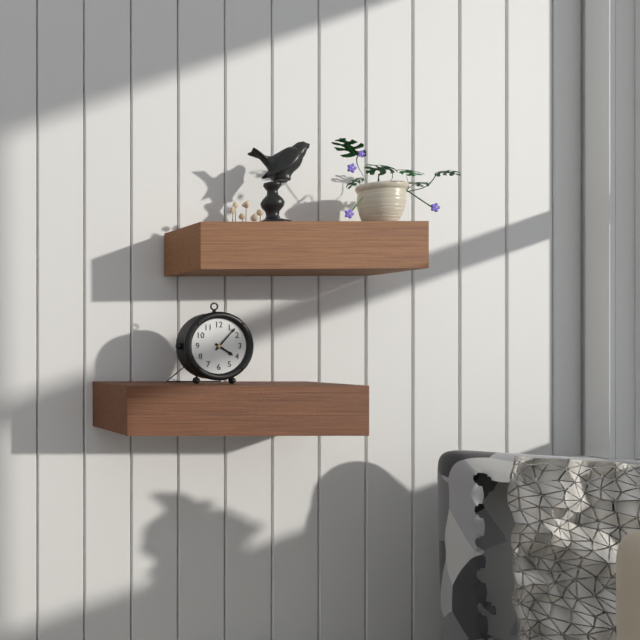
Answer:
4:07
